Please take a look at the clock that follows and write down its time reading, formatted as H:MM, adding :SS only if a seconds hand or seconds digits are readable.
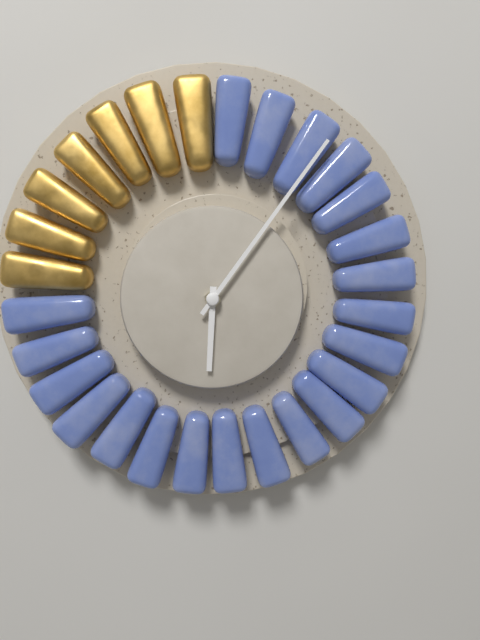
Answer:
6:06
